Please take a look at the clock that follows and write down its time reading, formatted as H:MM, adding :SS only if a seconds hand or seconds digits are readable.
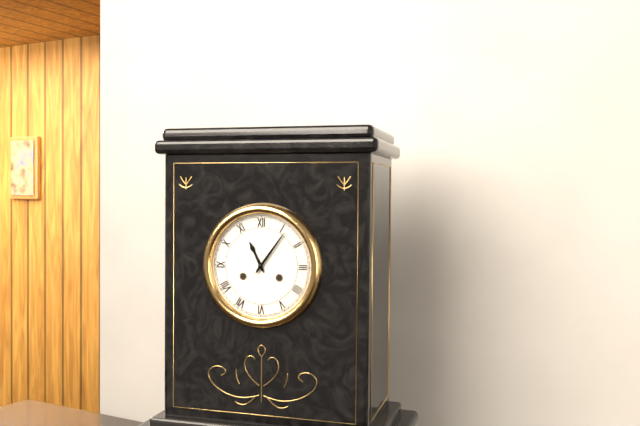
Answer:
11:06
